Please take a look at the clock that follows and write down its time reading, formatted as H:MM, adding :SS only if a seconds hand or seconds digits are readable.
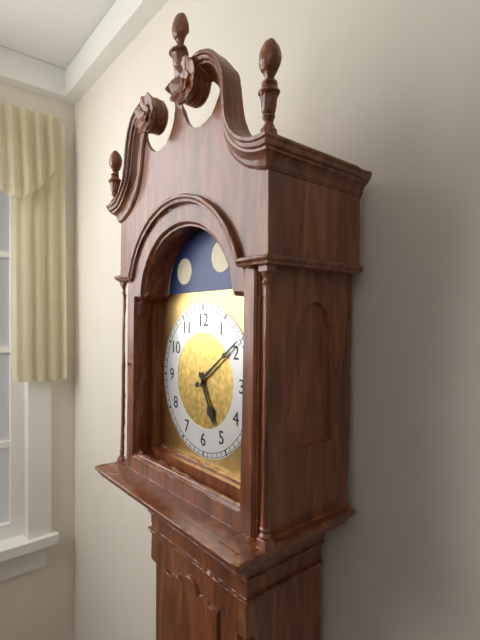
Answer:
5:09
